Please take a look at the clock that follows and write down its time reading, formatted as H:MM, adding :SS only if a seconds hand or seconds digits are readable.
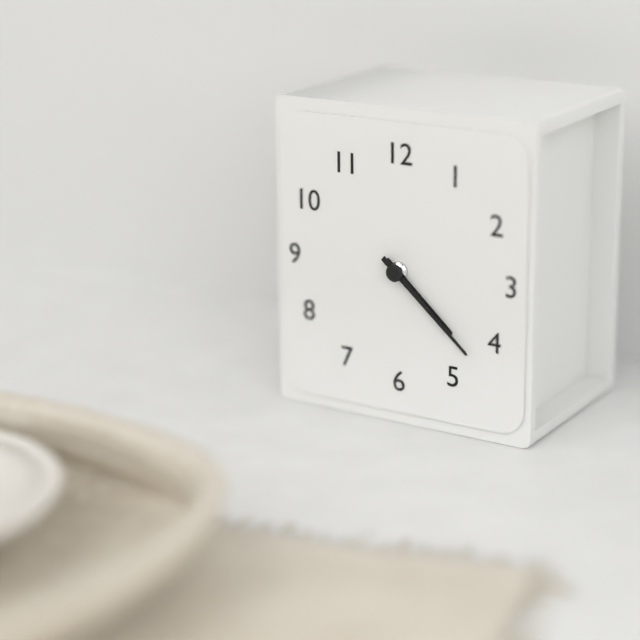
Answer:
4:22
